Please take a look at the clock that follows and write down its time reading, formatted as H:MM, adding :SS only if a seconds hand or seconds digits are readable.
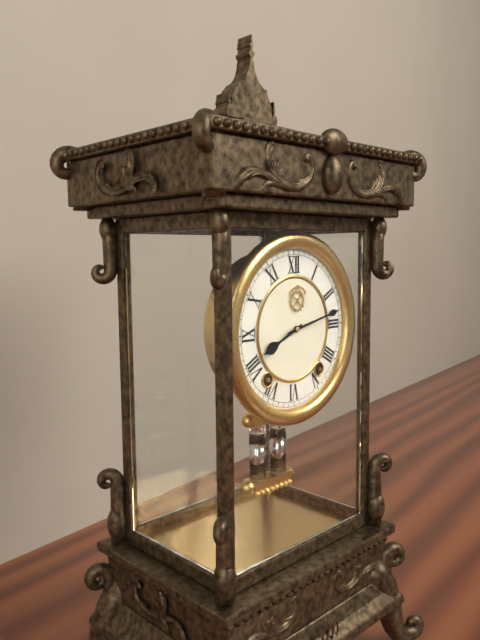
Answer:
8:13
